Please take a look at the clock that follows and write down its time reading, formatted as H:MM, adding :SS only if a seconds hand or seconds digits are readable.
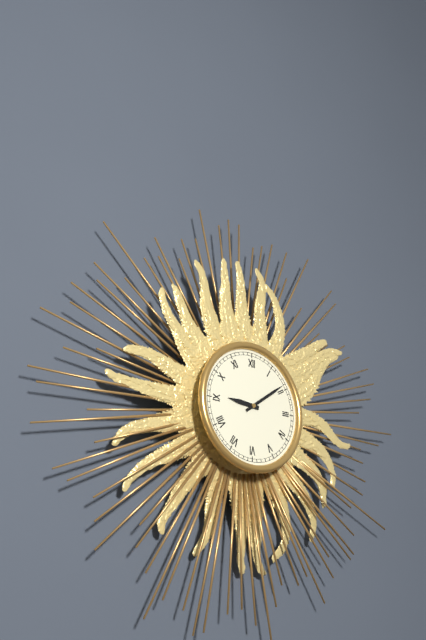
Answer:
9:09
